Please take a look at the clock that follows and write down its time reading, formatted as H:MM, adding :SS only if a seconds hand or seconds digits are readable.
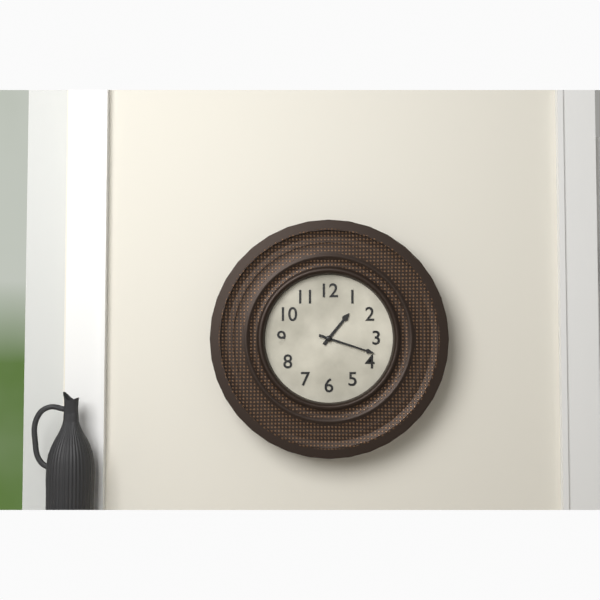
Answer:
1:18
